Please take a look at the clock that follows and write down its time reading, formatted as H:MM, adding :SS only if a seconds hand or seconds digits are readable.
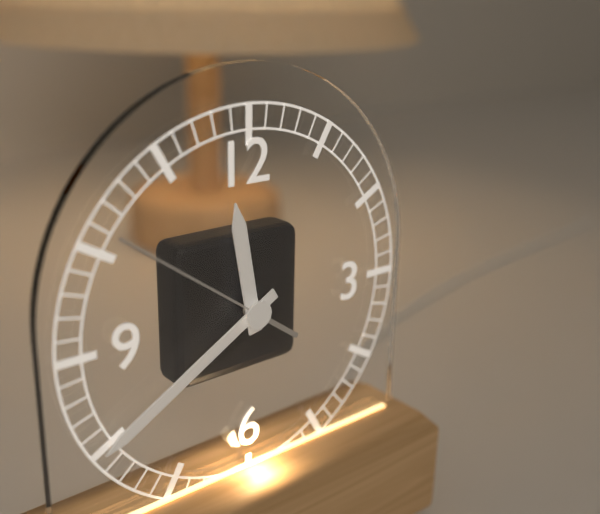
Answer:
11:40:51
